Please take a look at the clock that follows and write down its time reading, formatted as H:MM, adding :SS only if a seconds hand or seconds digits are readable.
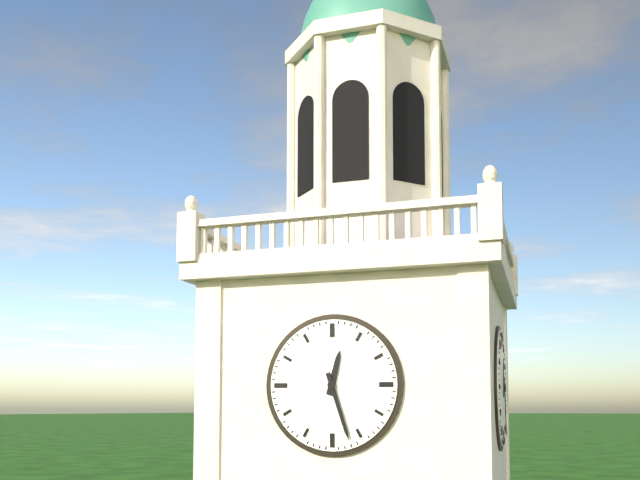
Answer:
12:27
